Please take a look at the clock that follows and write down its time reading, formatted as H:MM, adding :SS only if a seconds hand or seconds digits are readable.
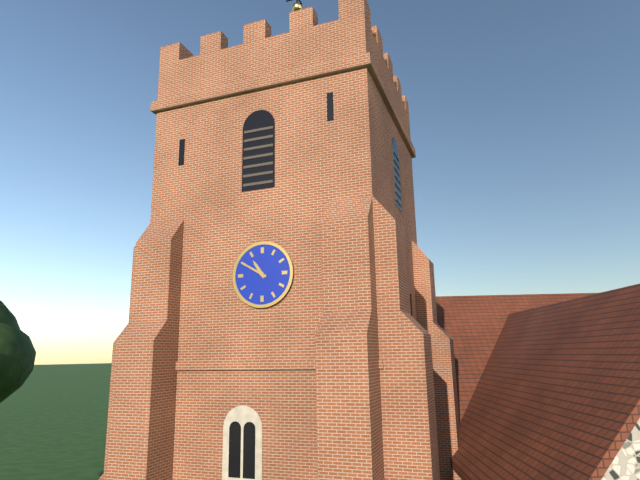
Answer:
10:50
